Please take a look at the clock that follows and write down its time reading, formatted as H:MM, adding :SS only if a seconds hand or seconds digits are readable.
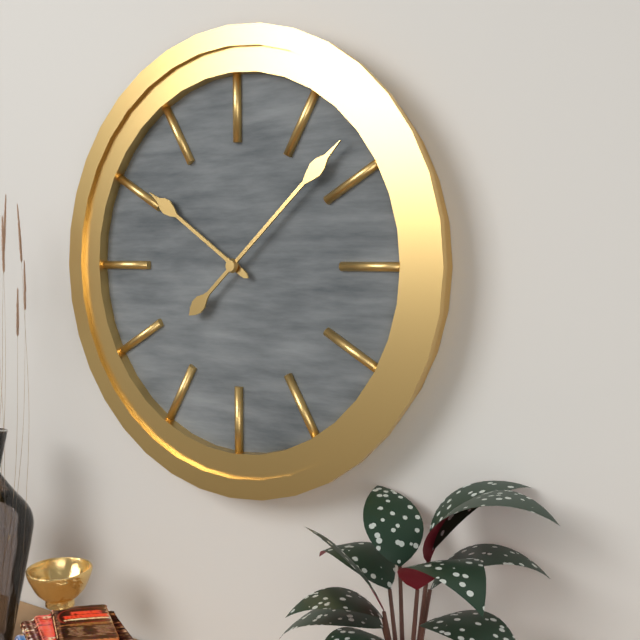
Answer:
10:08
